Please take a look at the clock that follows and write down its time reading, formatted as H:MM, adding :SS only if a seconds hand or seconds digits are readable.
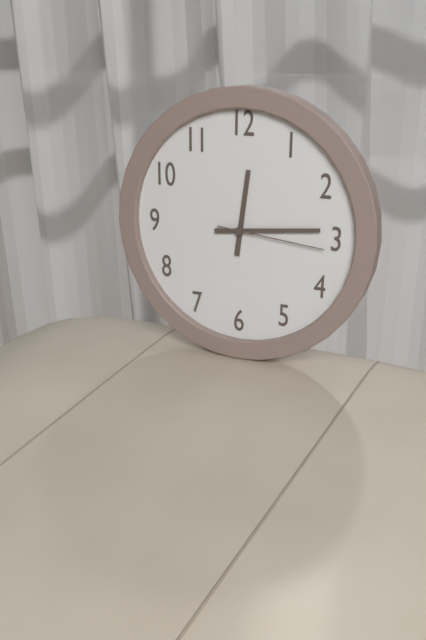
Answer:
12:14:16
